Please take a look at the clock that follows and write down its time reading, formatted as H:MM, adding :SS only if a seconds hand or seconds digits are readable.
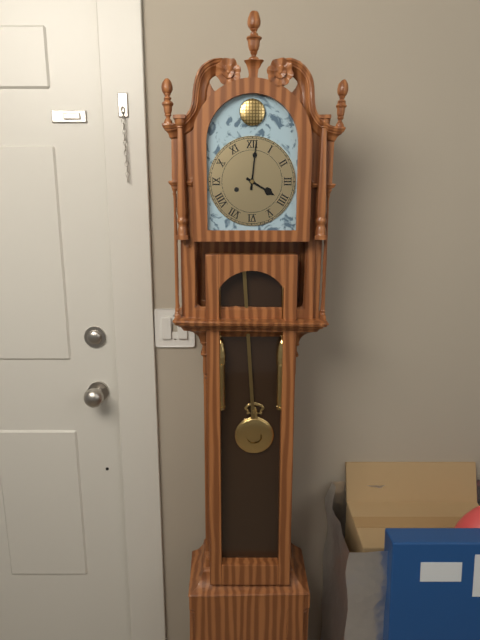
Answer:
4:01
